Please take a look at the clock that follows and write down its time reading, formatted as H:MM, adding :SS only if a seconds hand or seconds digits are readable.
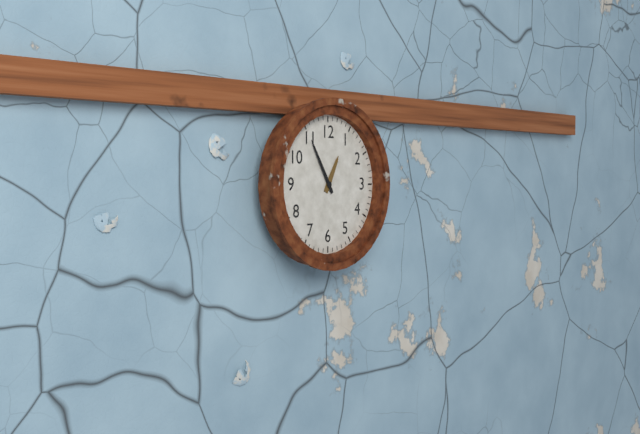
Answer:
12:55
